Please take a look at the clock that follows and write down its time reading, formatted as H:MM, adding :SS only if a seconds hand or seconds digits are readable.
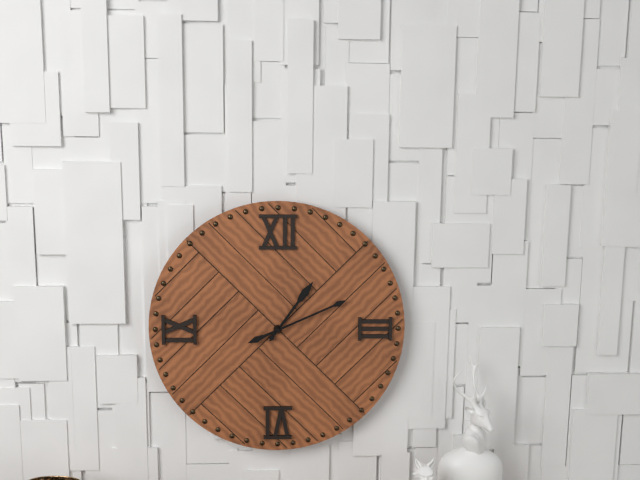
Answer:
1:11
